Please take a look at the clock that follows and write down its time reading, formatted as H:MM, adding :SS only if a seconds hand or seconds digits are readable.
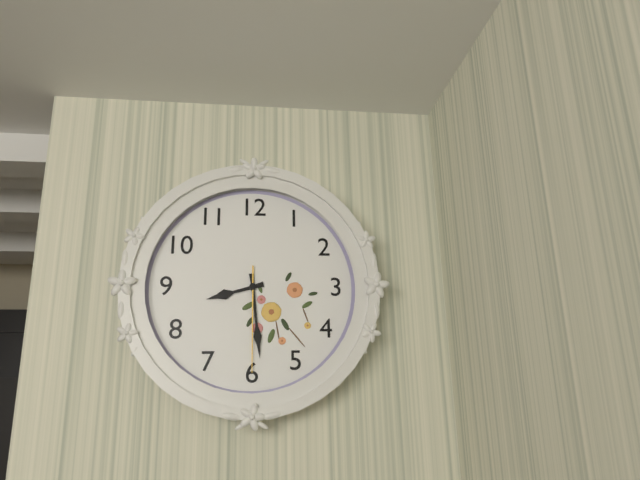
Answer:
8:29:30
